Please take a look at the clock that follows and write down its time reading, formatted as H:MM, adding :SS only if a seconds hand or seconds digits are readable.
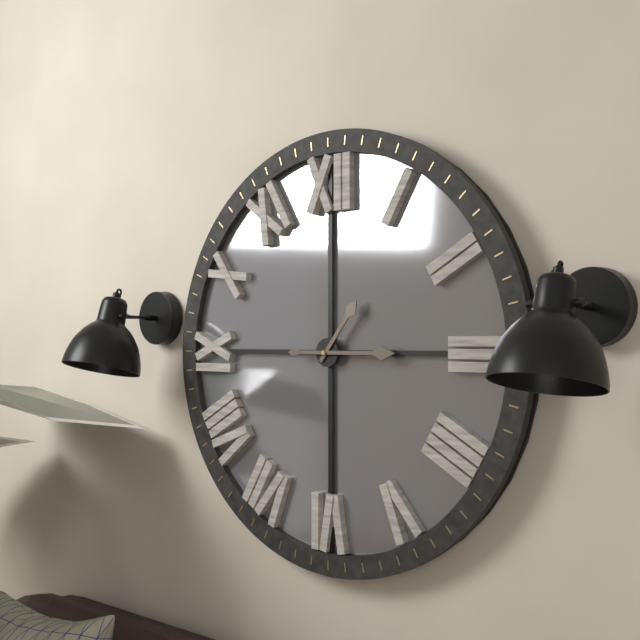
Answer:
1:15
